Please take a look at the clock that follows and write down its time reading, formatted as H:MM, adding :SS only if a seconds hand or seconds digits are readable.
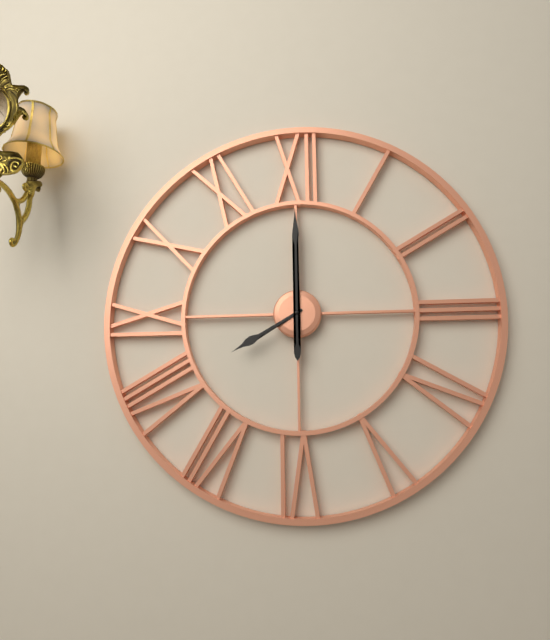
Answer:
8:00
